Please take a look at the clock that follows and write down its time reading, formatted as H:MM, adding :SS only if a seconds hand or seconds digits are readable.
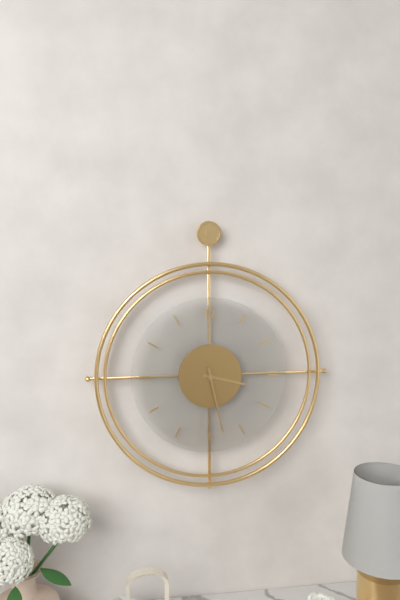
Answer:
3:28
